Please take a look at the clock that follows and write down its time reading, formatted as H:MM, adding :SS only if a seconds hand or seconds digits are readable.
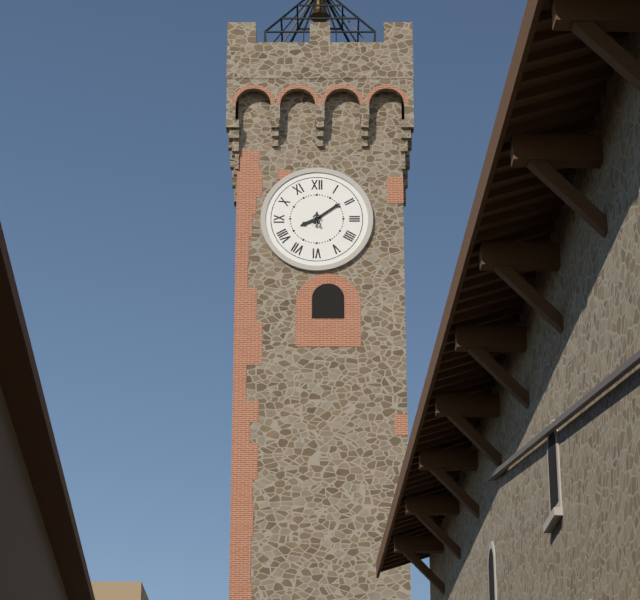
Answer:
8:09
